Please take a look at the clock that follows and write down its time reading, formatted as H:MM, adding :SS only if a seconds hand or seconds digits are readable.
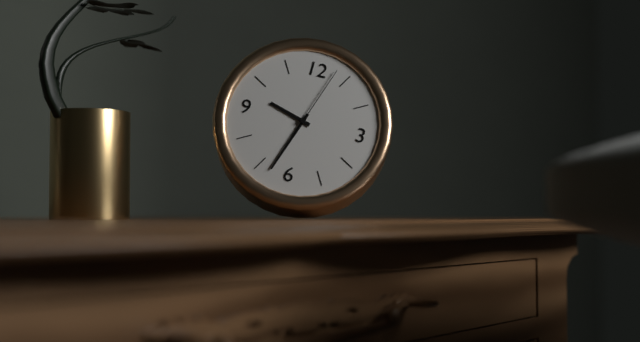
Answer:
9:33:03
